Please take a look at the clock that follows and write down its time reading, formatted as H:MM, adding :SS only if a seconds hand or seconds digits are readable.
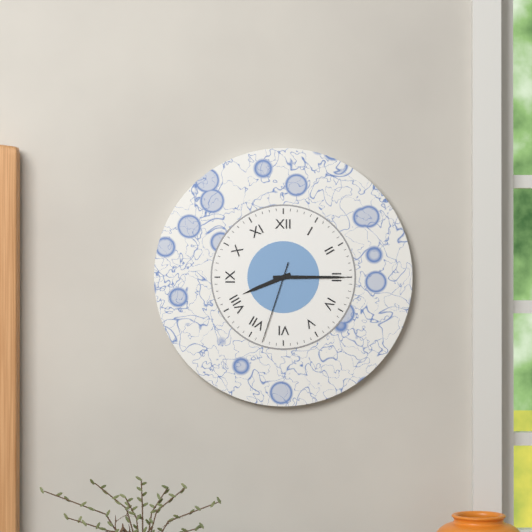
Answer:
8:15:33
